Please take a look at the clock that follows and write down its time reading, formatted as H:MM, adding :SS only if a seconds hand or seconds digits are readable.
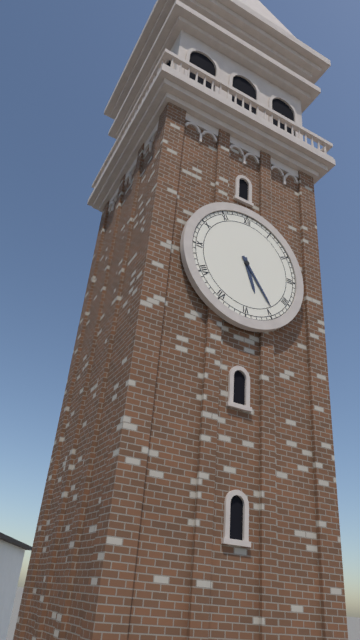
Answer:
5:24
